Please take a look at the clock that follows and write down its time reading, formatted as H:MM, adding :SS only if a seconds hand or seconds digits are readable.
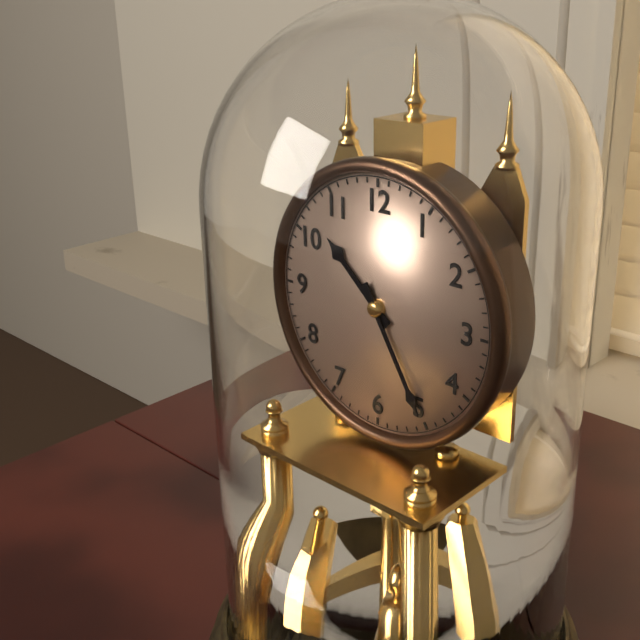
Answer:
10:25
